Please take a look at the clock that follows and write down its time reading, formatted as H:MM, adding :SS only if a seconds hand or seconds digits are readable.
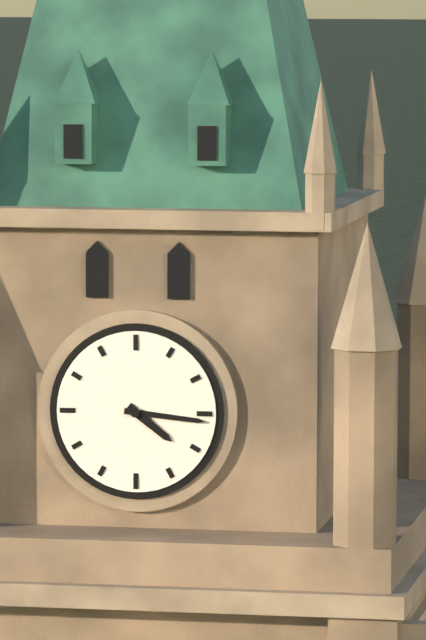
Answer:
4:16
